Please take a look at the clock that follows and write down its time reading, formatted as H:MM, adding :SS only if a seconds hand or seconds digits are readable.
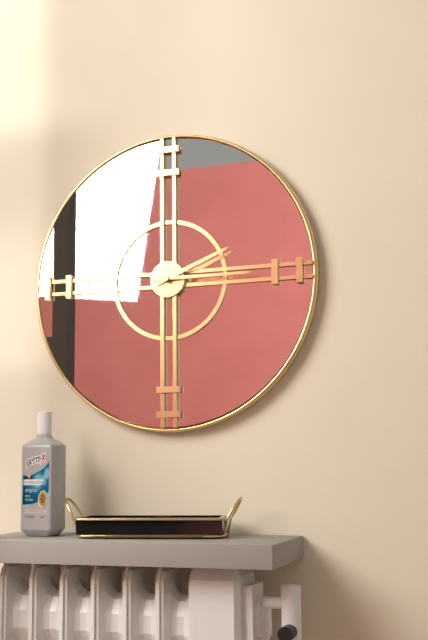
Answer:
2:15
